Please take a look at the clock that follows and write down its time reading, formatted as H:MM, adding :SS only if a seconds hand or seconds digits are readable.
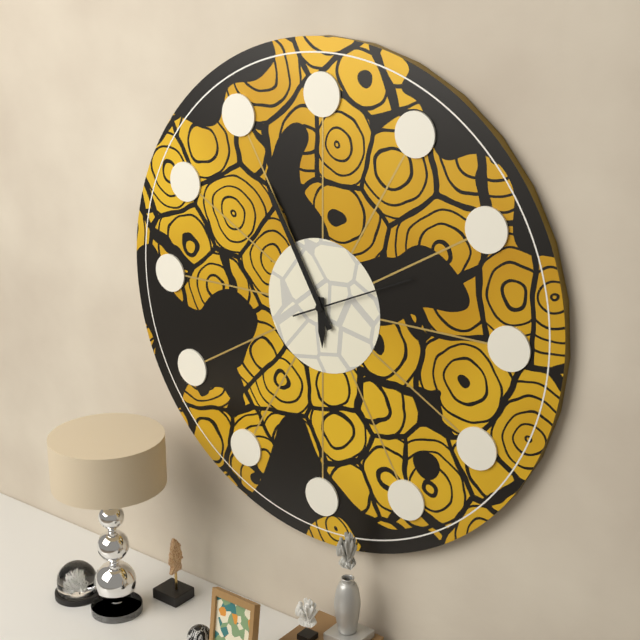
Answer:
5:55:11
